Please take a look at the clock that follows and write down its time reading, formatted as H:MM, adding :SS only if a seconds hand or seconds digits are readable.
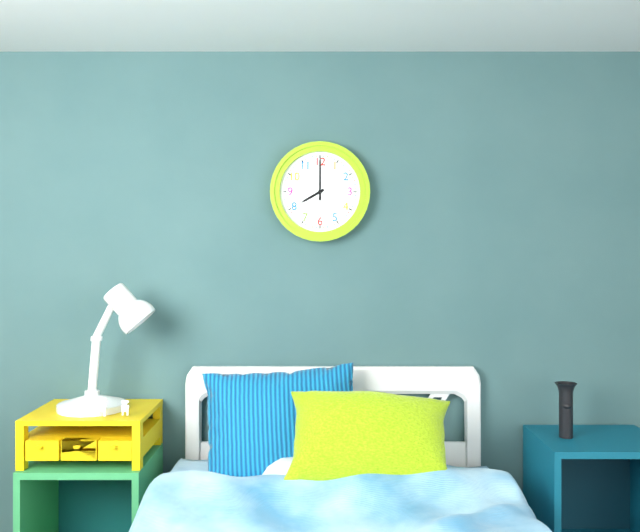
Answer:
8:00
